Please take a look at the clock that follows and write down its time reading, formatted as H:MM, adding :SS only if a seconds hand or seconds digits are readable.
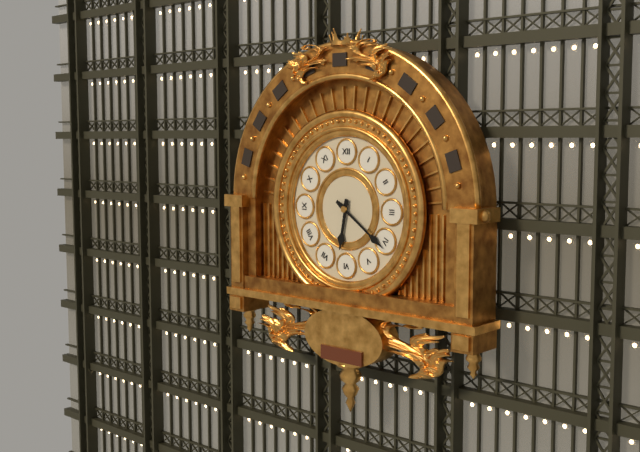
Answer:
6:21
